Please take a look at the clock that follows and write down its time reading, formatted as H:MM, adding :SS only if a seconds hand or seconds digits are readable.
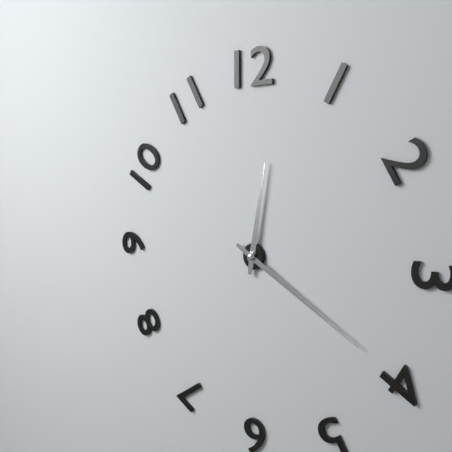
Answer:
12:20
